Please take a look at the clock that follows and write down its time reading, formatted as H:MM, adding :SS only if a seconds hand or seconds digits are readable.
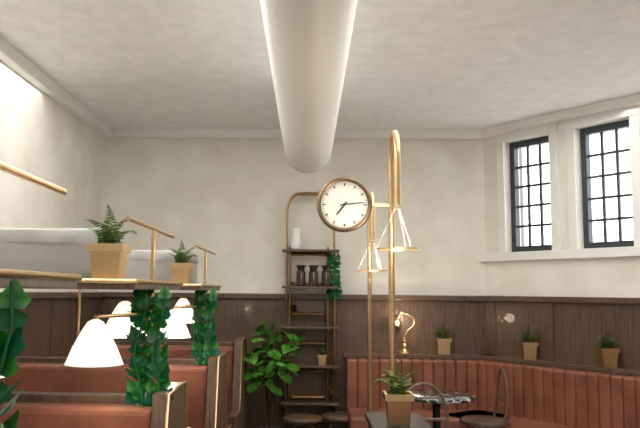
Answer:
7:14
